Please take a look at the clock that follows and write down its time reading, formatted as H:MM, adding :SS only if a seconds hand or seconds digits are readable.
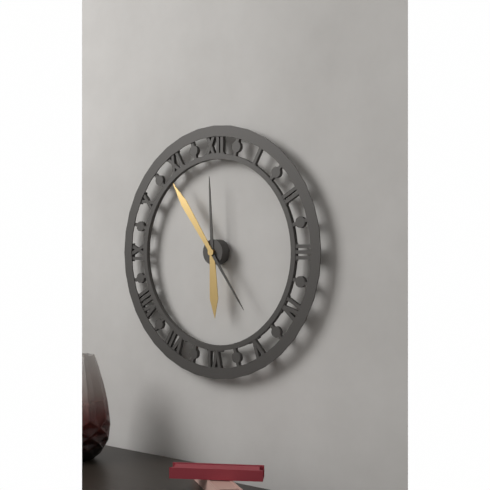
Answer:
5:54
